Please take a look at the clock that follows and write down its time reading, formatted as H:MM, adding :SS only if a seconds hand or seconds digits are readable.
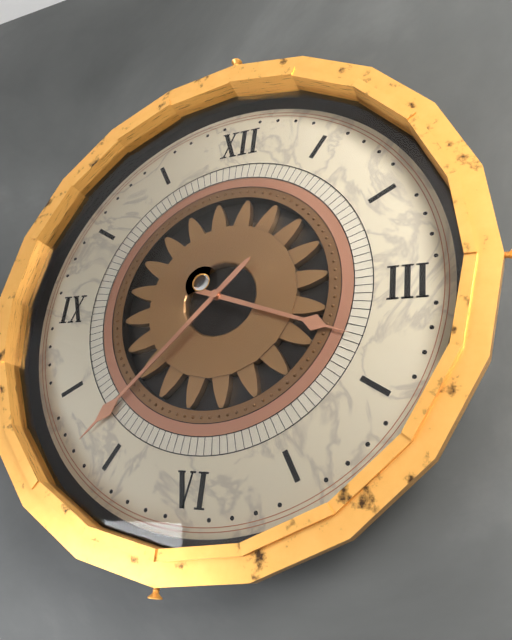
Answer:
3:37
